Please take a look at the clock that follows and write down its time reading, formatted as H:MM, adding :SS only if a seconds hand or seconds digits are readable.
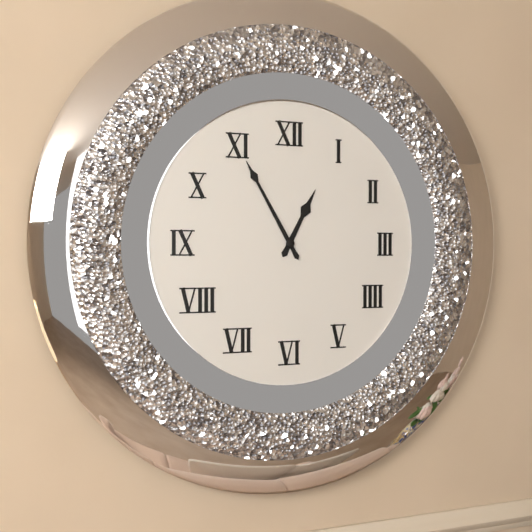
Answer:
12:55
